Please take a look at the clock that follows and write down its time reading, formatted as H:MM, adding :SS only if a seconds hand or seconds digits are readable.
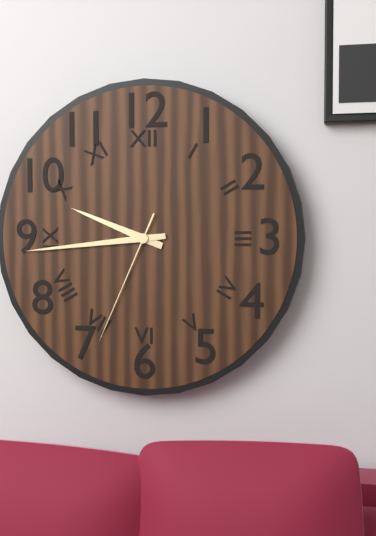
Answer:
9:44:34
